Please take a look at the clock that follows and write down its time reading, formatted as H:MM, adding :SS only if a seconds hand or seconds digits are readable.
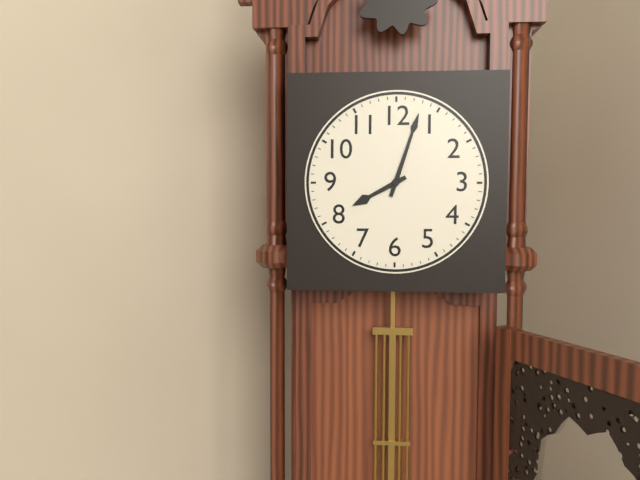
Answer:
8:03
